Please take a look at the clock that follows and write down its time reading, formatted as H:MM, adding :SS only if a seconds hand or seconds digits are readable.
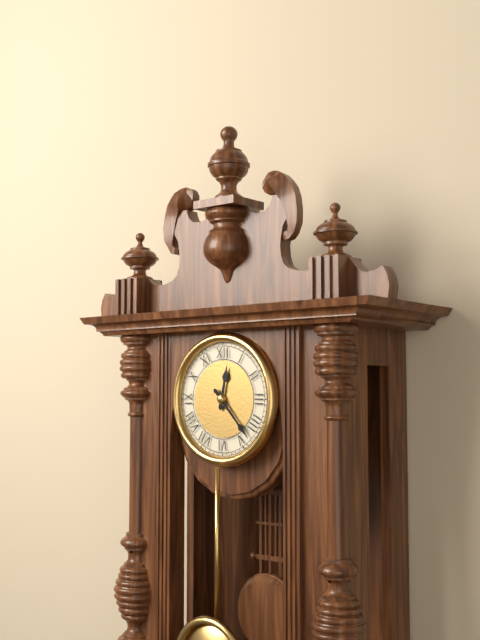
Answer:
12:23
